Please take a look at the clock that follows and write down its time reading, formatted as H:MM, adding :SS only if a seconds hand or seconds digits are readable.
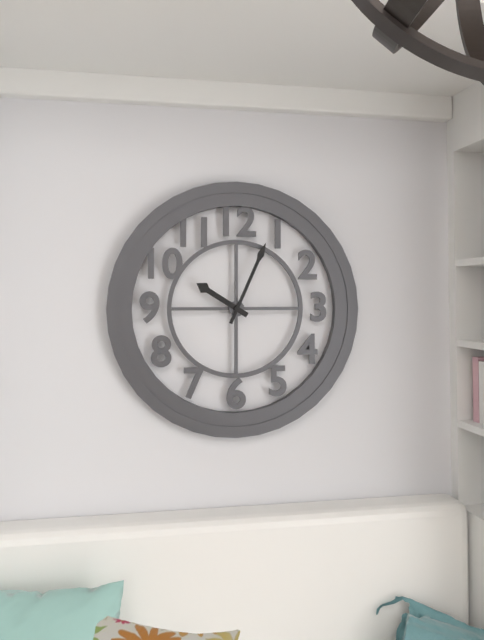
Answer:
10:04
